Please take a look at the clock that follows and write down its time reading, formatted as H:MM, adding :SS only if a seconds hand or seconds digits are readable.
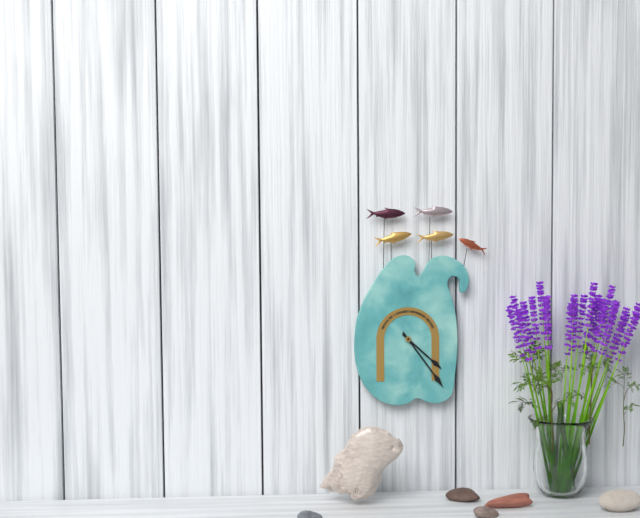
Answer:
4:24
